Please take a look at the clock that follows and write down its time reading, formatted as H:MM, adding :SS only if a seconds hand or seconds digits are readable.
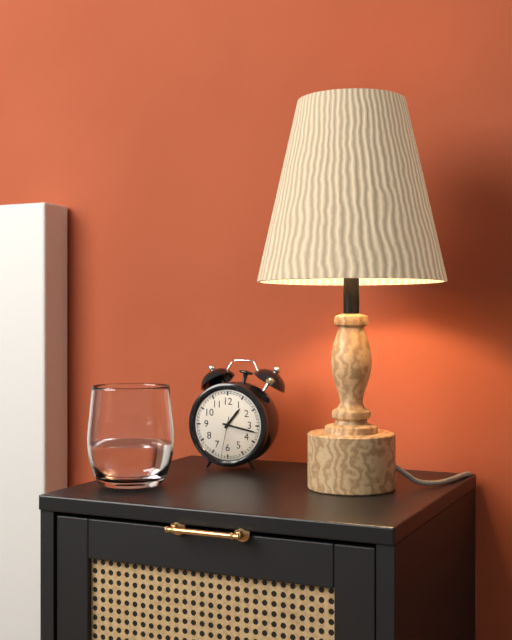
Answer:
1:17
